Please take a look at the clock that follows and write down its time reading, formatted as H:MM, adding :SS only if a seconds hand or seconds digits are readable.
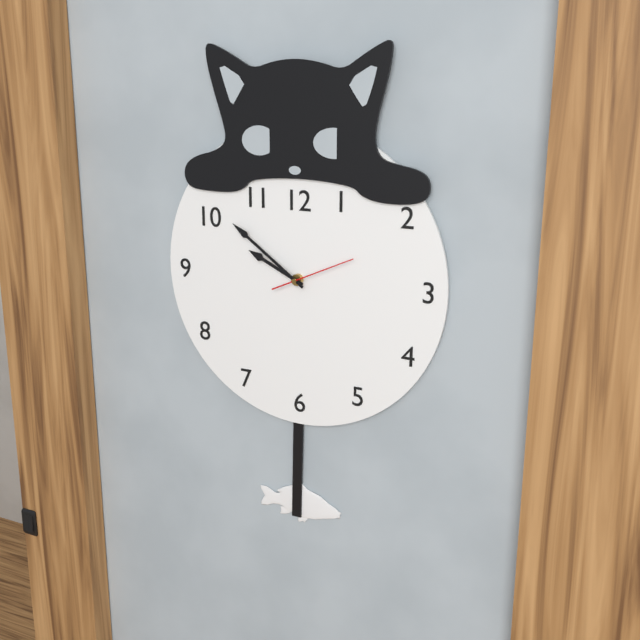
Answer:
9:51:11
